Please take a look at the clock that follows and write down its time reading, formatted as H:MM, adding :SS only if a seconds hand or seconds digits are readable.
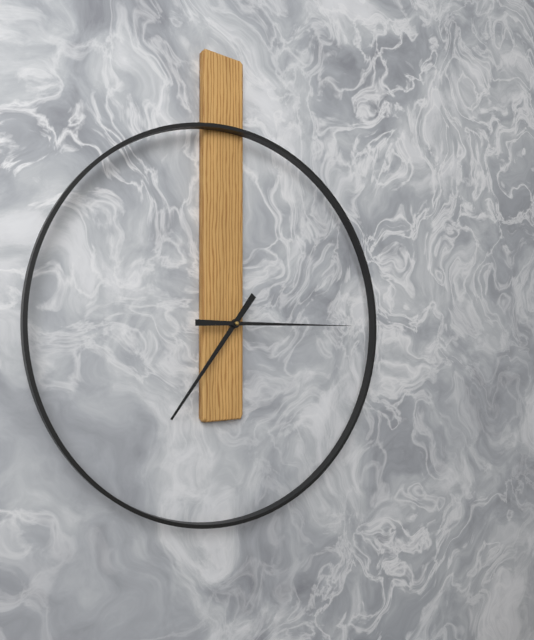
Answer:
7:15
